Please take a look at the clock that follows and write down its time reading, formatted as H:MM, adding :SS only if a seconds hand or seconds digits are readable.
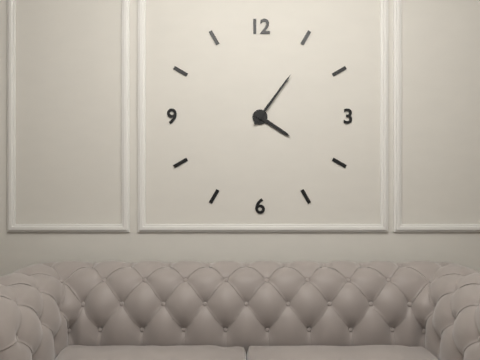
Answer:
4:06
